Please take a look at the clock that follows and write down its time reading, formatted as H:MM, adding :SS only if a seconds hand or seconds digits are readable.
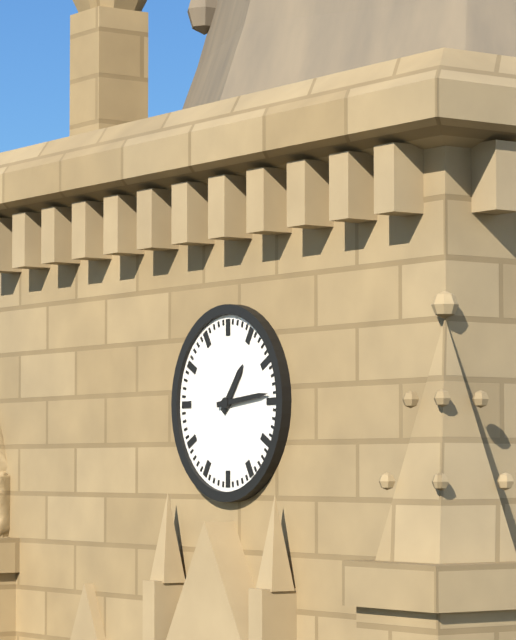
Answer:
1:14
